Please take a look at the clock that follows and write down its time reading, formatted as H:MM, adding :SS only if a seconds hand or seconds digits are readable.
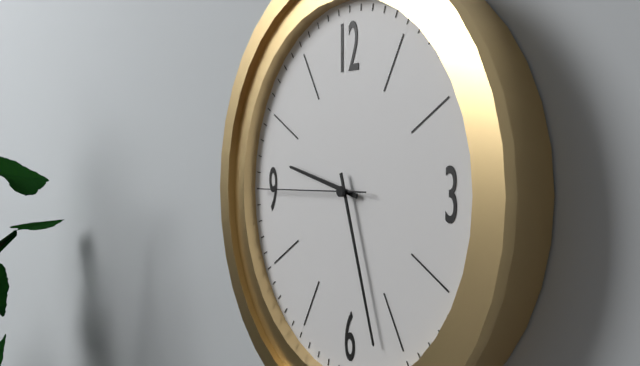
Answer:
9:27:45
